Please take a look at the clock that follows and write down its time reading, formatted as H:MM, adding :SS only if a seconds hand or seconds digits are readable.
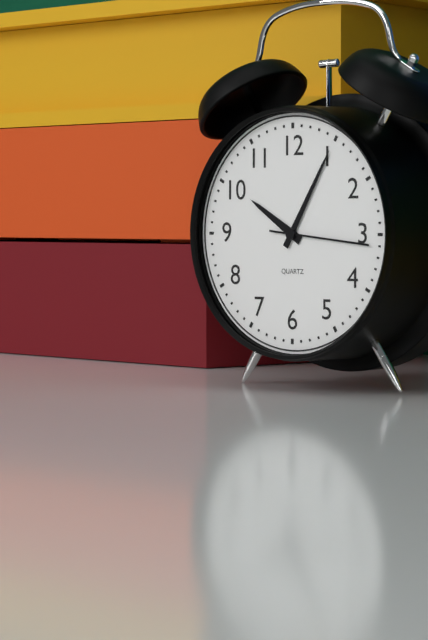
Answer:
10:05:16
